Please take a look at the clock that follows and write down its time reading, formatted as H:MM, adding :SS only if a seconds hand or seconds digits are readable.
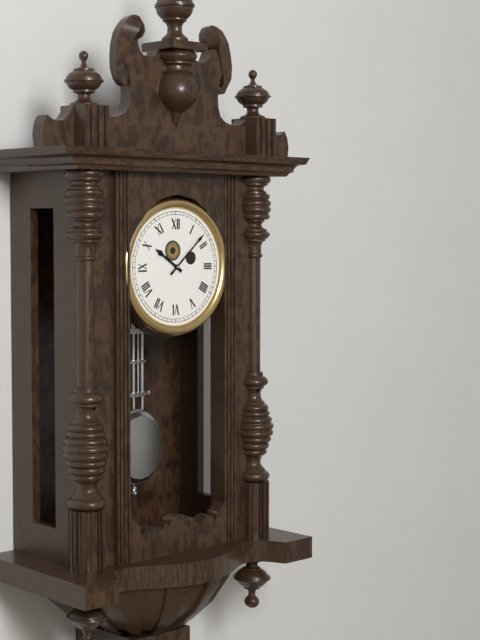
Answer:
10:08
